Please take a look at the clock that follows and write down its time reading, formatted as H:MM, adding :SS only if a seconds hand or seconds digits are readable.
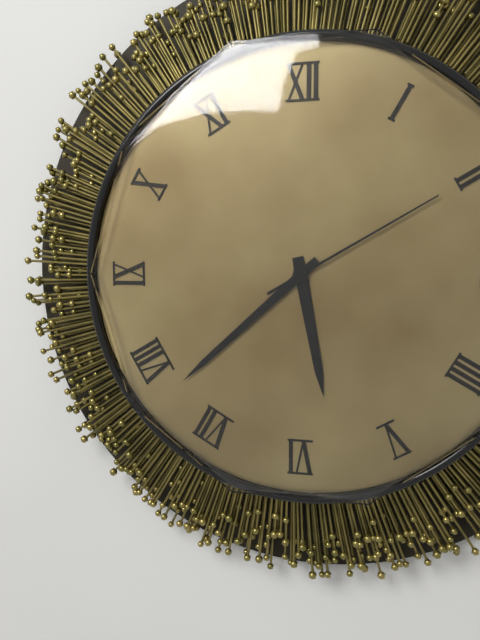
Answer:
5:38:10
